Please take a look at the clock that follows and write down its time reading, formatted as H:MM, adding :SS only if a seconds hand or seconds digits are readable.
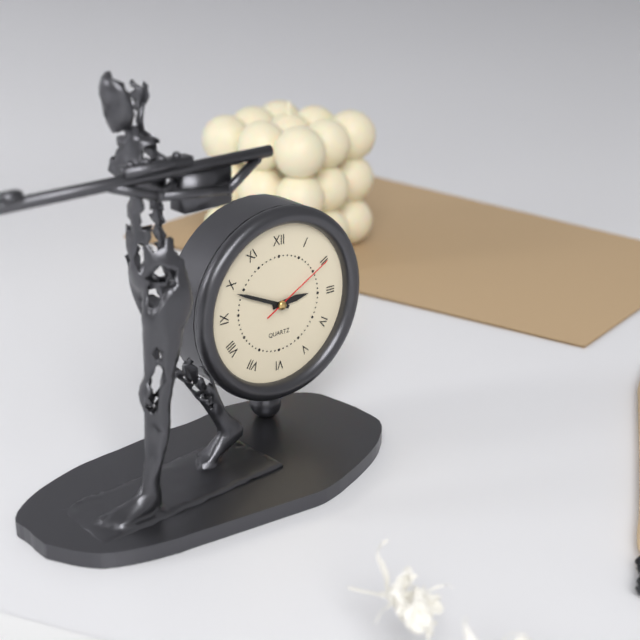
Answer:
2:49:10
